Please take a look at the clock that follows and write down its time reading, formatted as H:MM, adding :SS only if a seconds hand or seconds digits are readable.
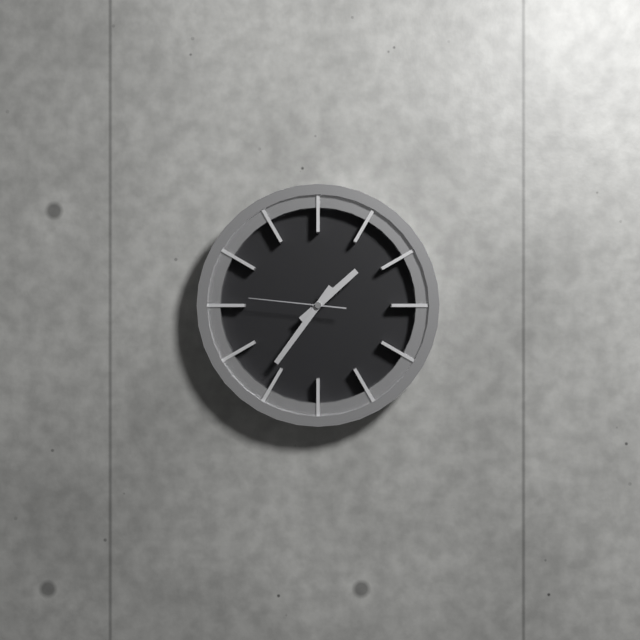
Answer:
1:36:46
